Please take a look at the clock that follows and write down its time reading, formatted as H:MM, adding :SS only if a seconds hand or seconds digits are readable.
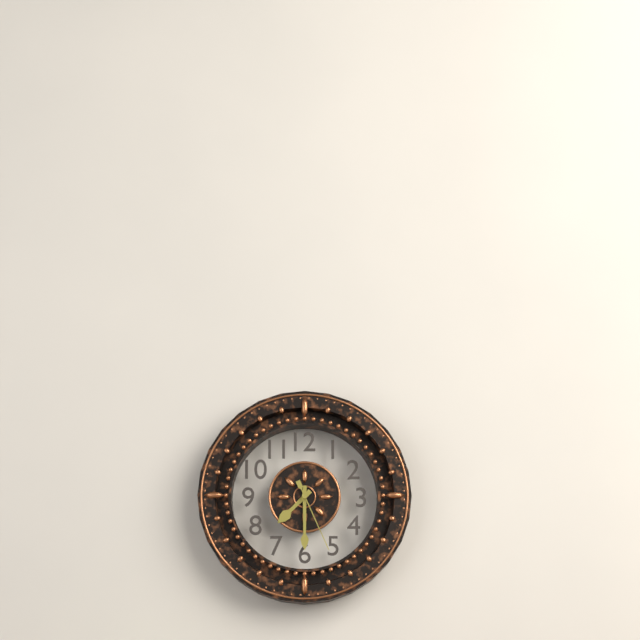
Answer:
7:30:26
